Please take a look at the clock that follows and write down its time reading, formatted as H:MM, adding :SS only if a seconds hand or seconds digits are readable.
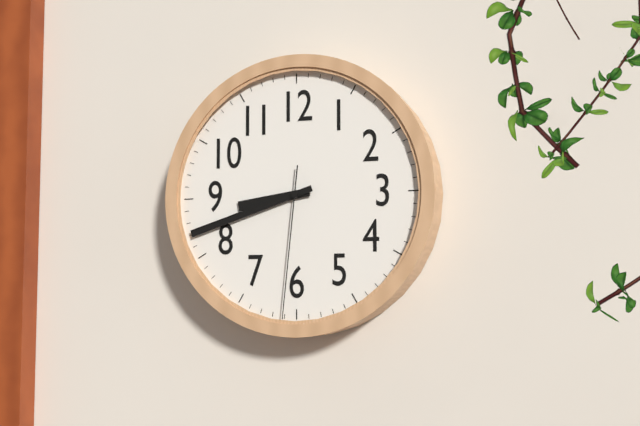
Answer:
8:42:31
